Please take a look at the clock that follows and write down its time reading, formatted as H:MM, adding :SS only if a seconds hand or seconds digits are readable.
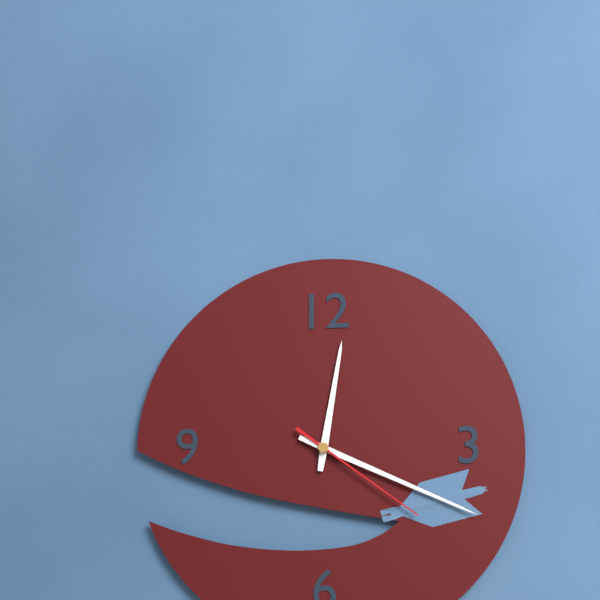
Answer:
12:19:21
